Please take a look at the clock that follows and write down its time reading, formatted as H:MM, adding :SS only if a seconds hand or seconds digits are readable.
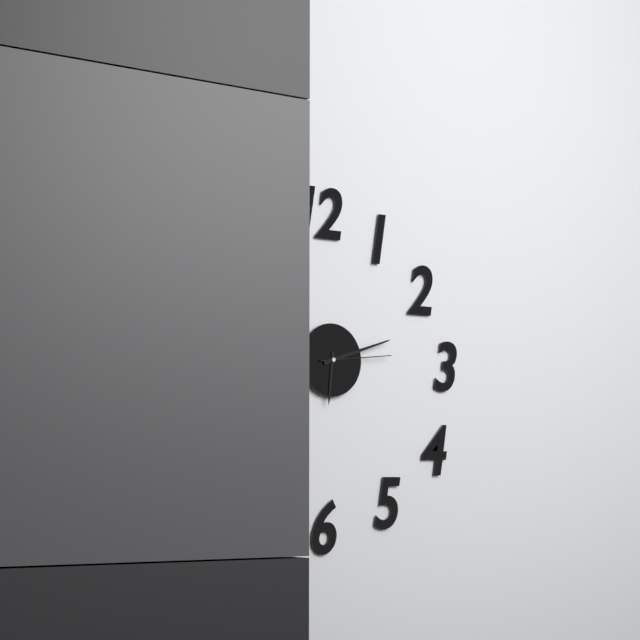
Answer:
6:12:14
